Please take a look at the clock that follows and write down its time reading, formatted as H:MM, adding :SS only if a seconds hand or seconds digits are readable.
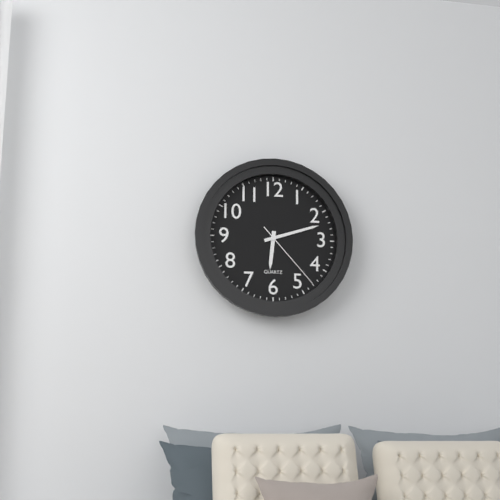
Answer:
6:12:23
